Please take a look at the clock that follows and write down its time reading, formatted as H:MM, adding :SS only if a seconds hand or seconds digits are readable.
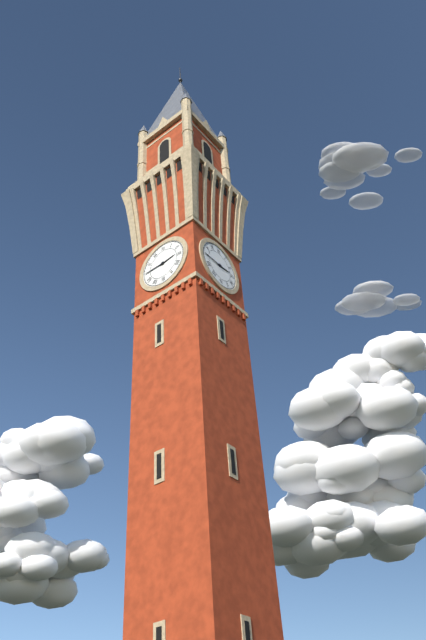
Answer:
2:45
